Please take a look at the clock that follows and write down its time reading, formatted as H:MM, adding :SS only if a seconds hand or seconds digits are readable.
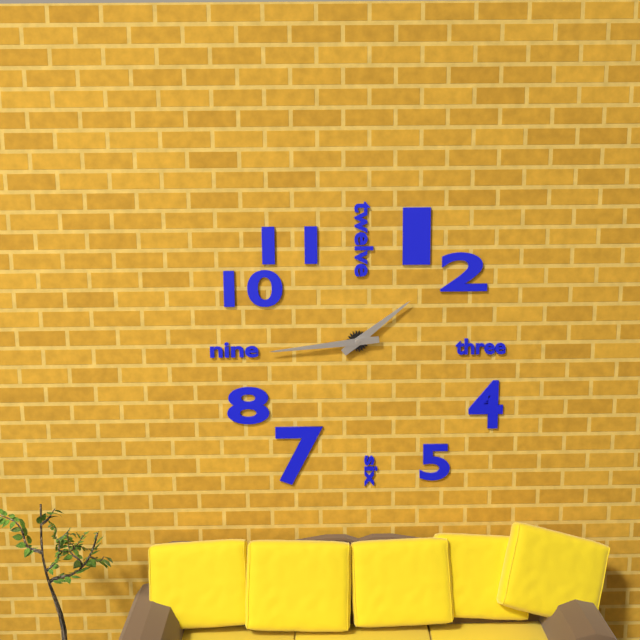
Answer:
1:44
